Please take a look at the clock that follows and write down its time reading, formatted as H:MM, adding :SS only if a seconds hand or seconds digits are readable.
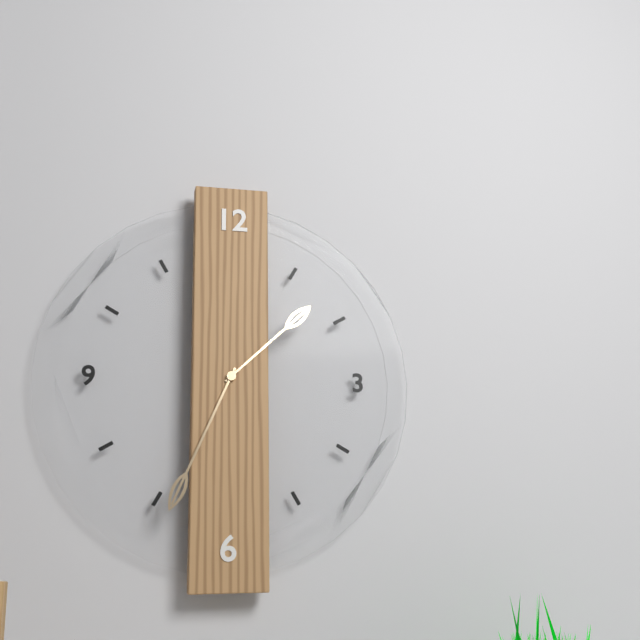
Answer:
1:34
